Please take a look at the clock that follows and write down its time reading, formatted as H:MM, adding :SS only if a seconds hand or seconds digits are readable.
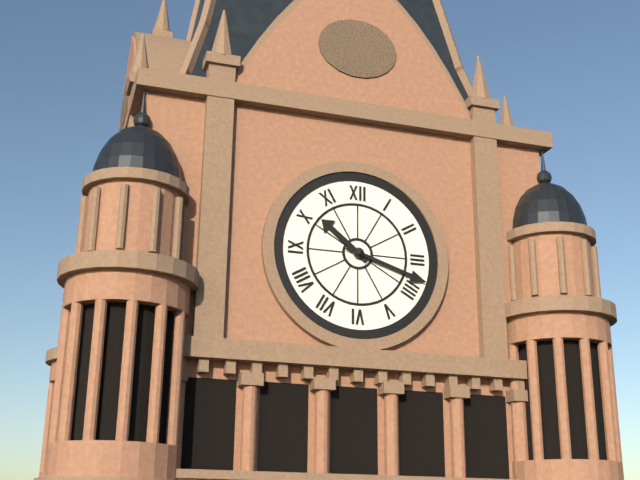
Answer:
10:18
